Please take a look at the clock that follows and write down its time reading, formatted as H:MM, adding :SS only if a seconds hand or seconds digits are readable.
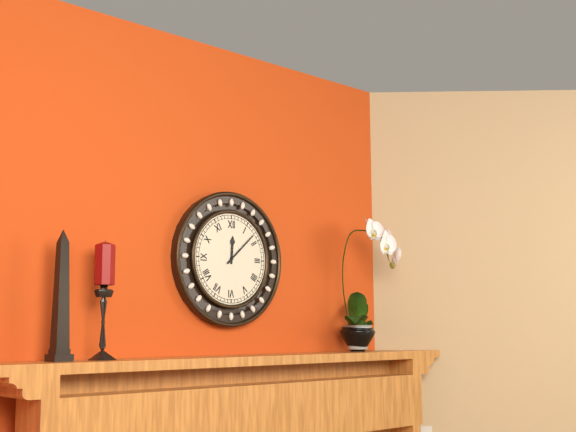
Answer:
12:08
